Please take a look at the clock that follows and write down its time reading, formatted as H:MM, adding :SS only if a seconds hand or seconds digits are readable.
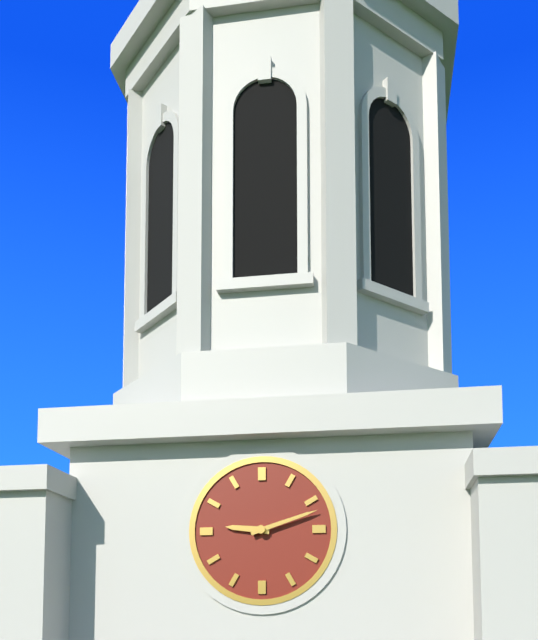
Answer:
9:12
